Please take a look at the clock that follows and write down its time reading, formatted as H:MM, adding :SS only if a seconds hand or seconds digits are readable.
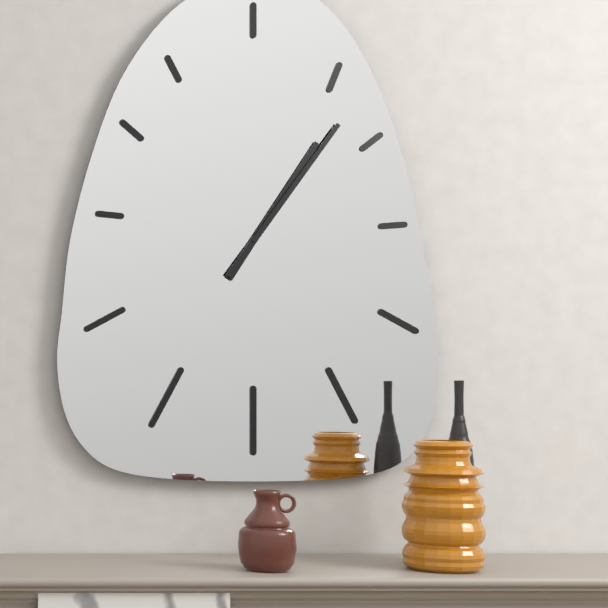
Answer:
1:06
